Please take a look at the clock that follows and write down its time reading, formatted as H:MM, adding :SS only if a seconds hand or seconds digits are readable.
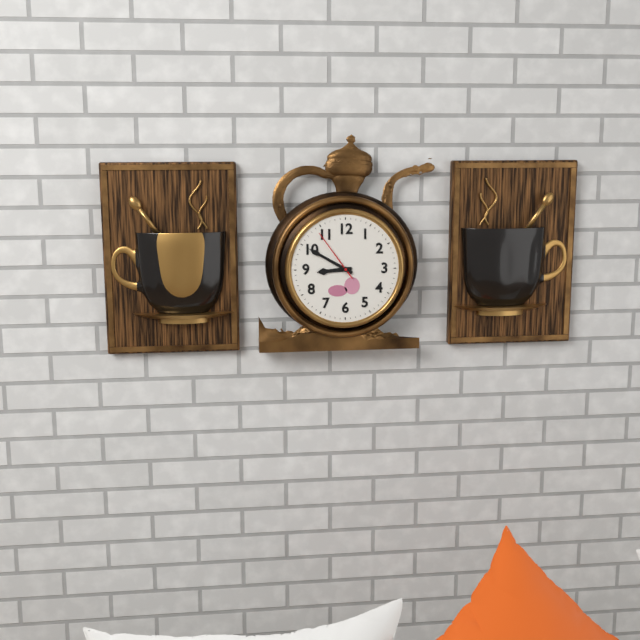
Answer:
8:50:54
